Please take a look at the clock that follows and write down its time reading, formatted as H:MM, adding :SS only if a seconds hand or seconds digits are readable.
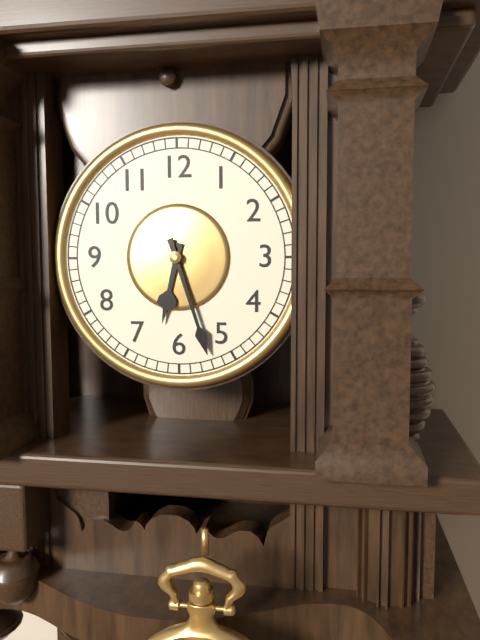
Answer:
6:27
